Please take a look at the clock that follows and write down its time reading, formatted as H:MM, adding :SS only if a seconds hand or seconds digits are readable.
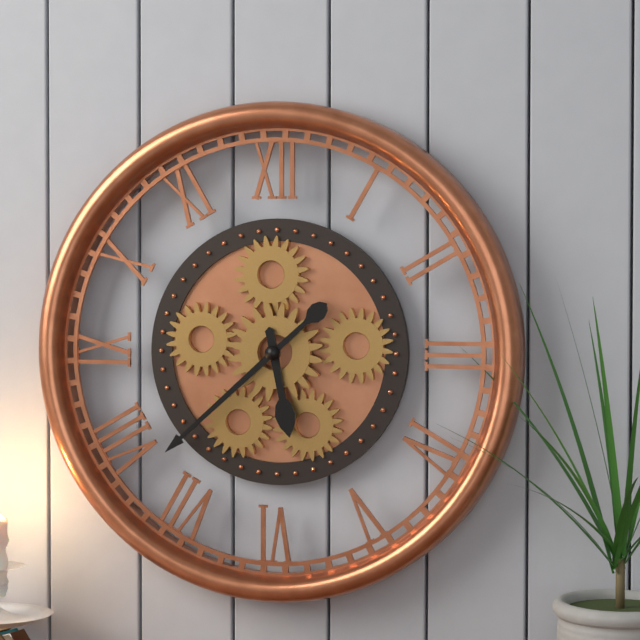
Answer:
5:38
